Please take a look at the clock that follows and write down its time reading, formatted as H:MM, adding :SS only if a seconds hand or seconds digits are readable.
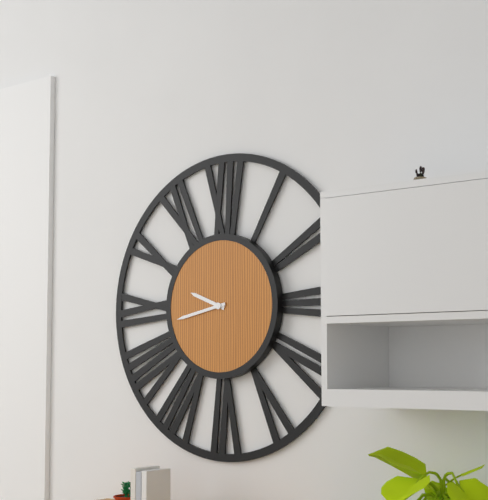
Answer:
9:43
